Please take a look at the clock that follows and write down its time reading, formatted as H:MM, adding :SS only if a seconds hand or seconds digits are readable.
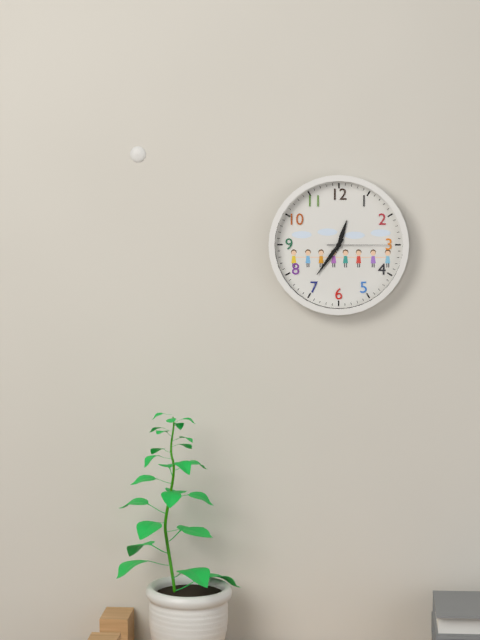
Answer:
12:36:15
